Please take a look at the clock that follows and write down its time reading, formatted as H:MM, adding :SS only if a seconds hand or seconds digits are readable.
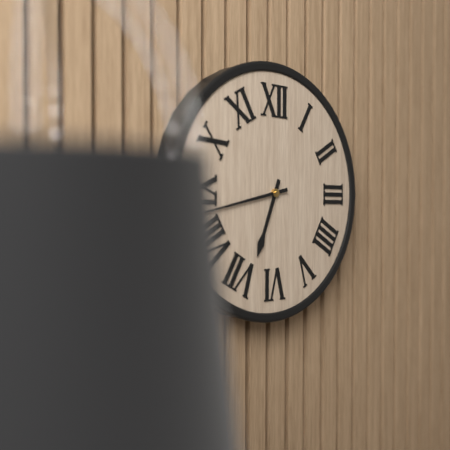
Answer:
6:43
